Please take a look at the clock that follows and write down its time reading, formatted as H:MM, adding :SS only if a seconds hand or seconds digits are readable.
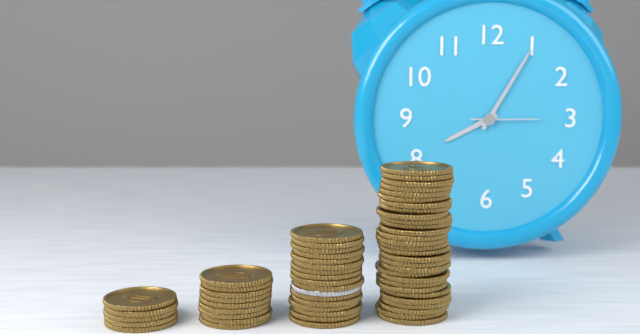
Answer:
8:05:15
